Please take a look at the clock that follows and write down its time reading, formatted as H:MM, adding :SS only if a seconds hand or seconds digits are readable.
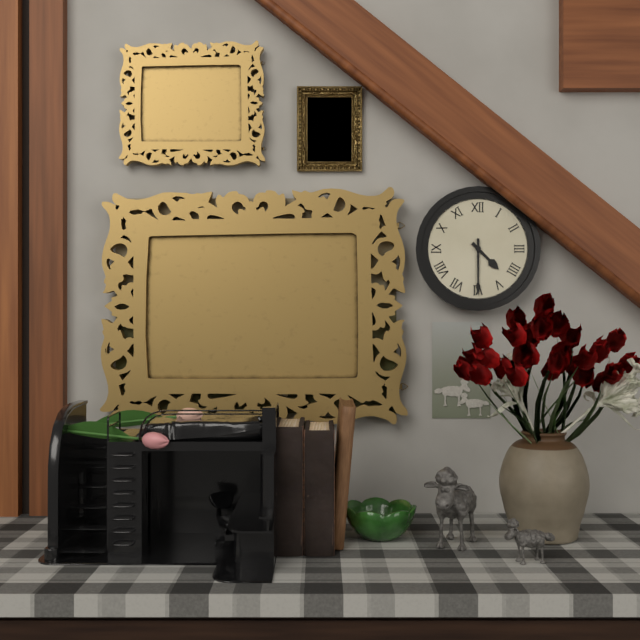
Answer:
4:30
